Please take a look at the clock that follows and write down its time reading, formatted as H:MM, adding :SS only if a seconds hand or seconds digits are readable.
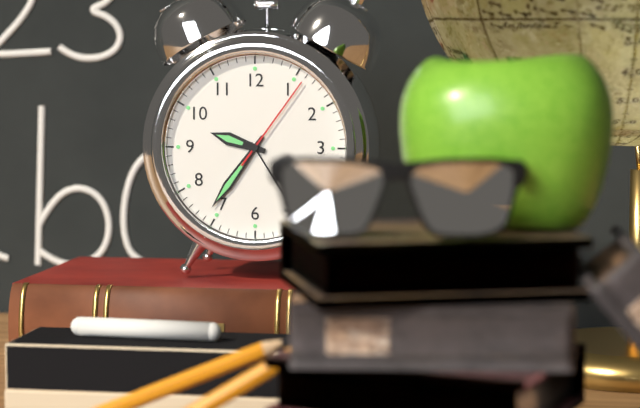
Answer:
9:36:06
